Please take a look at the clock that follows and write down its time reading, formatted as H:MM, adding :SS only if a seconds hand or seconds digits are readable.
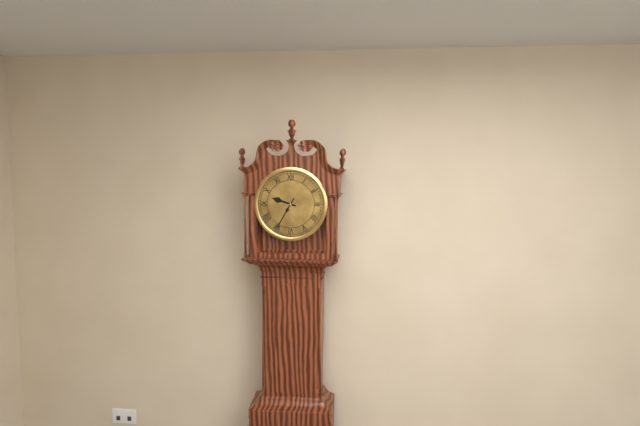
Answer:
9:35
